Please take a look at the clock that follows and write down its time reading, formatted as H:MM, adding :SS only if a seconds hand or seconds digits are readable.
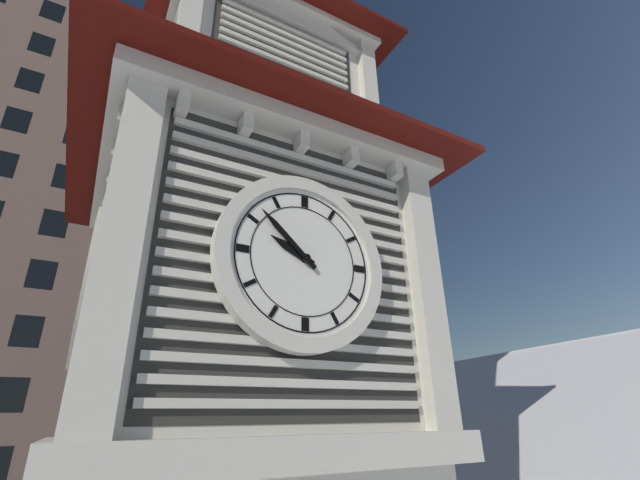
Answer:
9:52
